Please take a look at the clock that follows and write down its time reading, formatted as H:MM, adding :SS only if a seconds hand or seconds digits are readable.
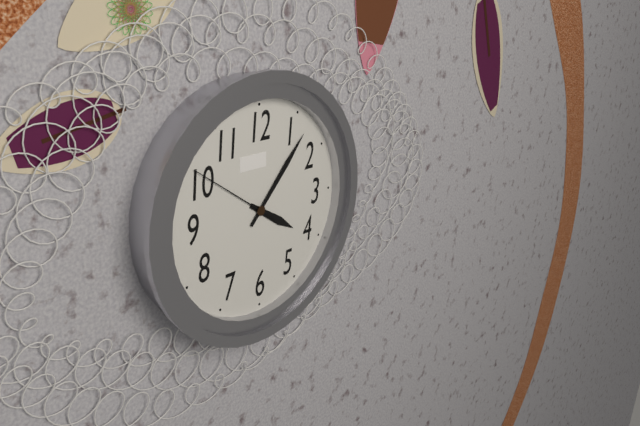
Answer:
4:07:51
